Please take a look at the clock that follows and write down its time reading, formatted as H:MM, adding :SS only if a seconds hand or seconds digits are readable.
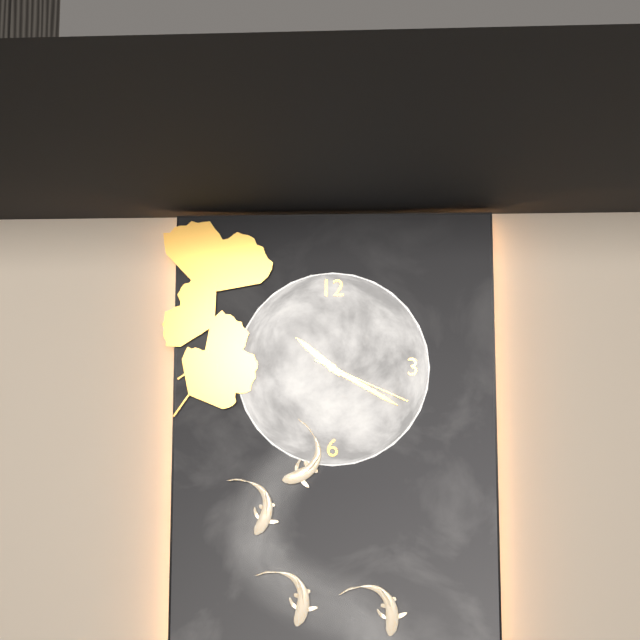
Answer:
10:20:19
